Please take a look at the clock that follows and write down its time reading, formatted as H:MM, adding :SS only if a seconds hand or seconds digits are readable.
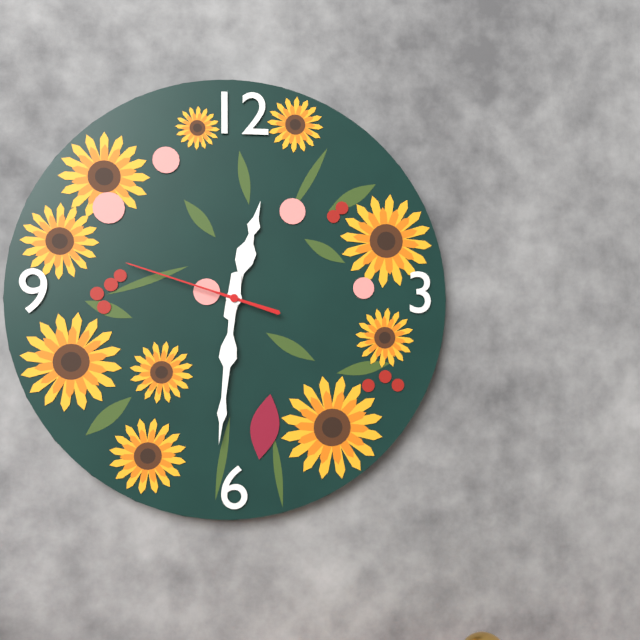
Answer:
12:31:48
